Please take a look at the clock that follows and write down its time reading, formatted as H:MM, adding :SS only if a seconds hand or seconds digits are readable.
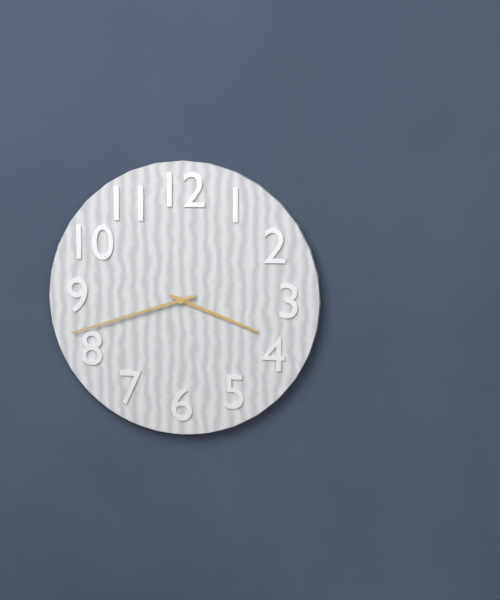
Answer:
3:42
